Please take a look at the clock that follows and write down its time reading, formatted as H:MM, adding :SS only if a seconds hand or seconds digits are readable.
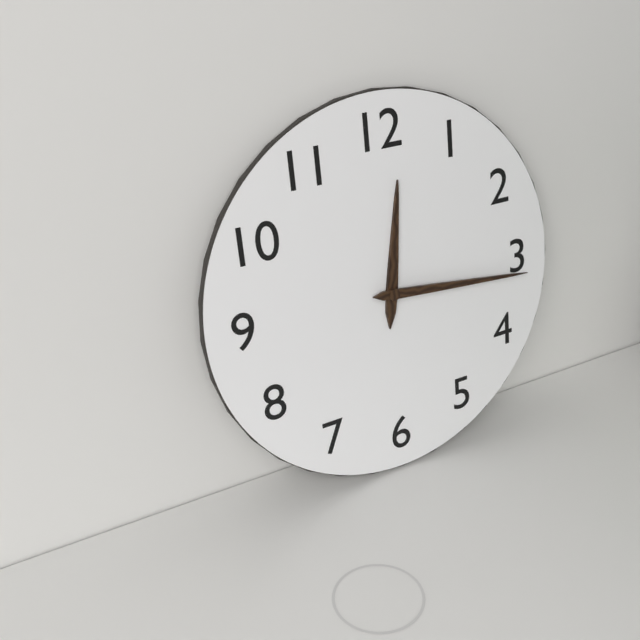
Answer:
12:16
